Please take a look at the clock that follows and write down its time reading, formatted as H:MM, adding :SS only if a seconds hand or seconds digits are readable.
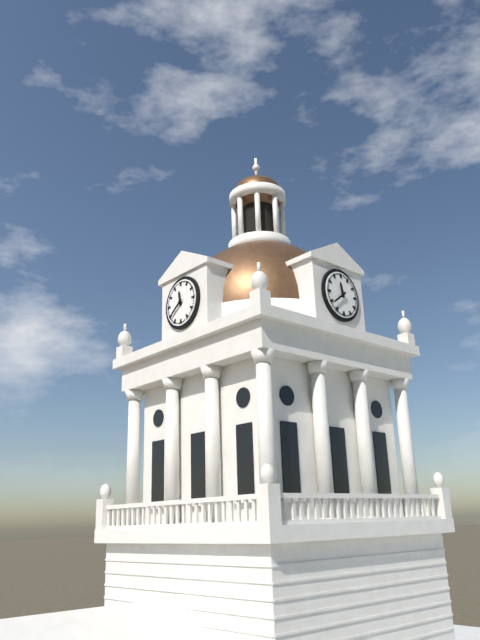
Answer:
11:39
